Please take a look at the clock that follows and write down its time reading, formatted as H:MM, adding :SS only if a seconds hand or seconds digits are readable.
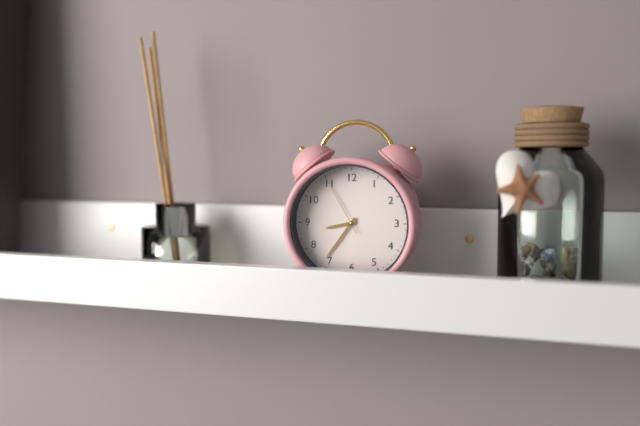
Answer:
8:36:55
